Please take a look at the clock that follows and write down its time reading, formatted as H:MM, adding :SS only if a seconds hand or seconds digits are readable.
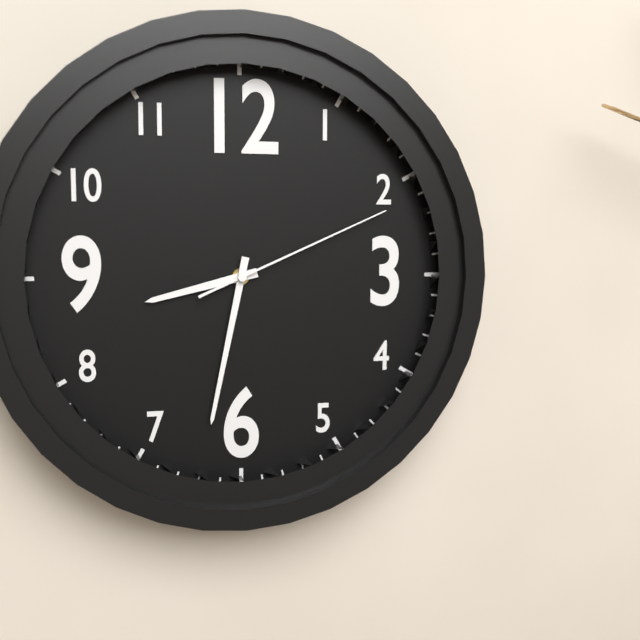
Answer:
8:32:11
